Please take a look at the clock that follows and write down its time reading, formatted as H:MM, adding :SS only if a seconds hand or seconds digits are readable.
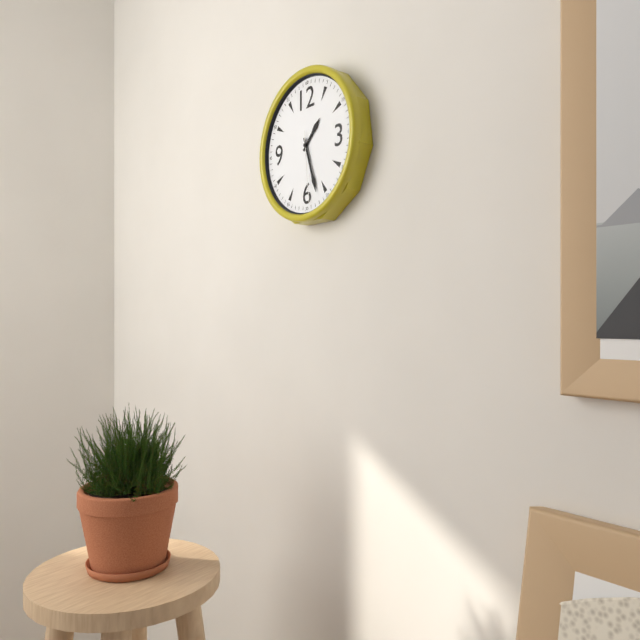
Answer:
1:27:29
